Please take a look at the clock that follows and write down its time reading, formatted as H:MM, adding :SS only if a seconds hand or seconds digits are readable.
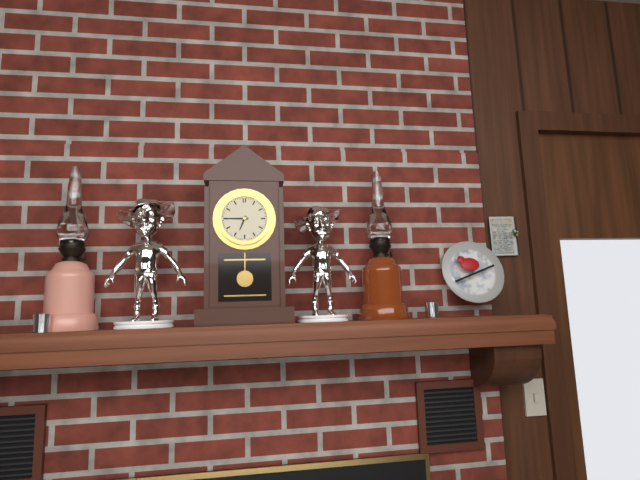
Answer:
6:45
